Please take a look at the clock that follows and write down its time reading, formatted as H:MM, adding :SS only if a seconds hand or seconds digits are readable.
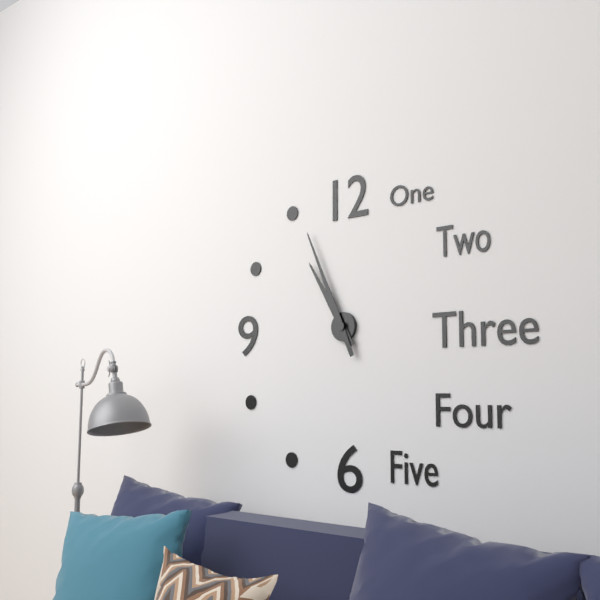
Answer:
10:56
